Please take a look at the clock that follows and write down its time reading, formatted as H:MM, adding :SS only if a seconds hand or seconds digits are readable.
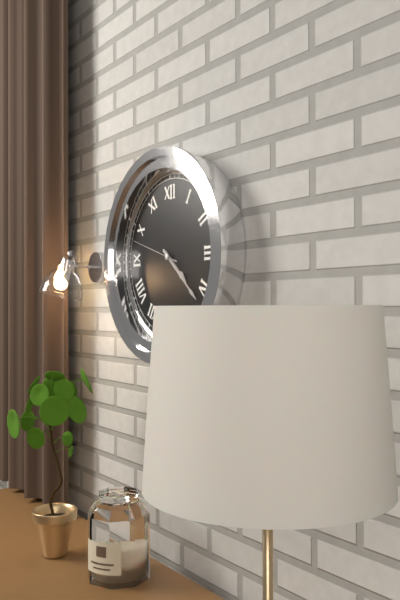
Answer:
4:22:48
